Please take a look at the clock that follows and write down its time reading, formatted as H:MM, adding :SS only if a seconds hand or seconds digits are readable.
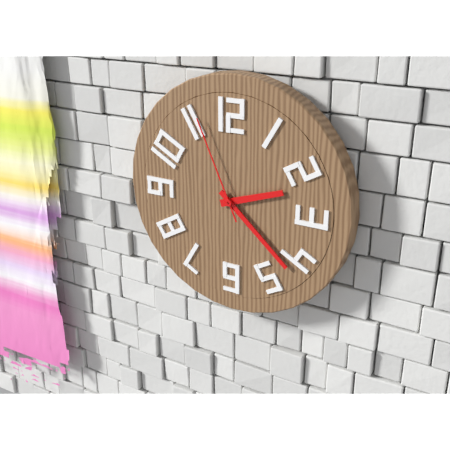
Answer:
2:22:56
